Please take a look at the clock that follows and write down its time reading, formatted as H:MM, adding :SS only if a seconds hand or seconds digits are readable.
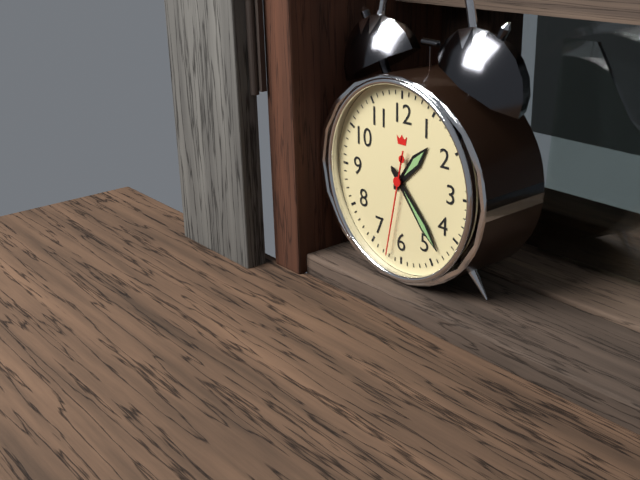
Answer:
1:23:32
